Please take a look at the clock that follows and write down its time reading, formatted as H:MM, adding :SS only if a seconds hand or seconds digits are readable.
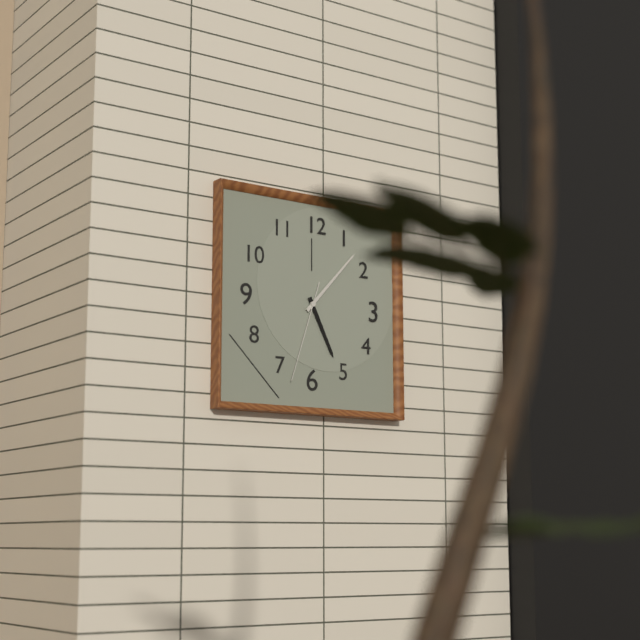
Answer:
5:07:33
